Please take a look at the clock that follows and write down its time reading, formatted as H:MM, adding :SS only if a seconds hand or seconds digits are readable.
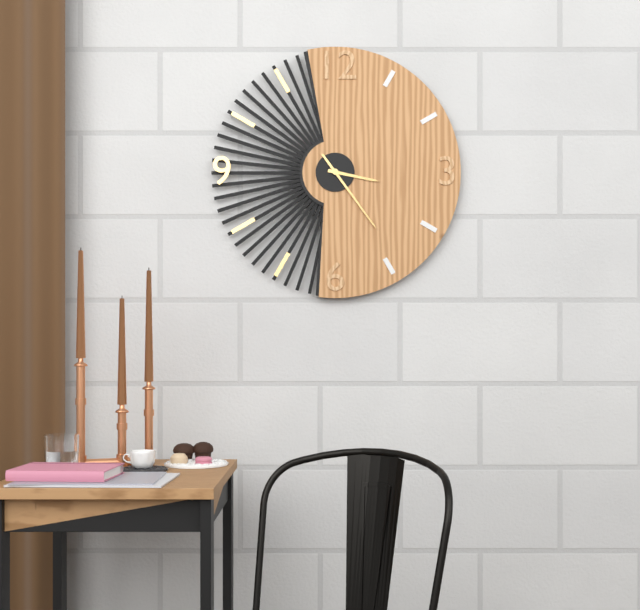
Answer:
3:24
